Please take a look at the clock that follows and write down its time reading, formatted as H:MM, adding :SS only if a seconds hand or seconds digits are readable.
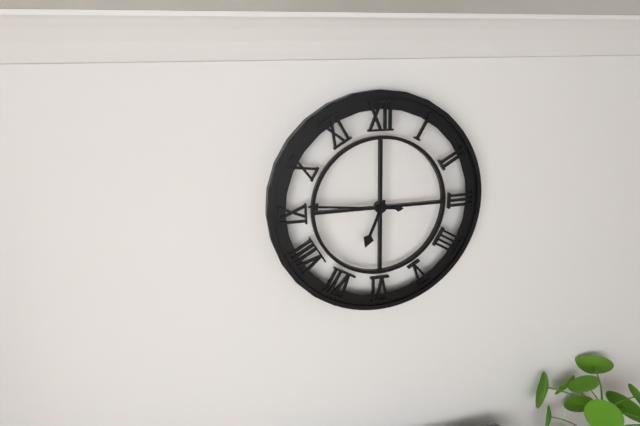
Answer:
6:46
